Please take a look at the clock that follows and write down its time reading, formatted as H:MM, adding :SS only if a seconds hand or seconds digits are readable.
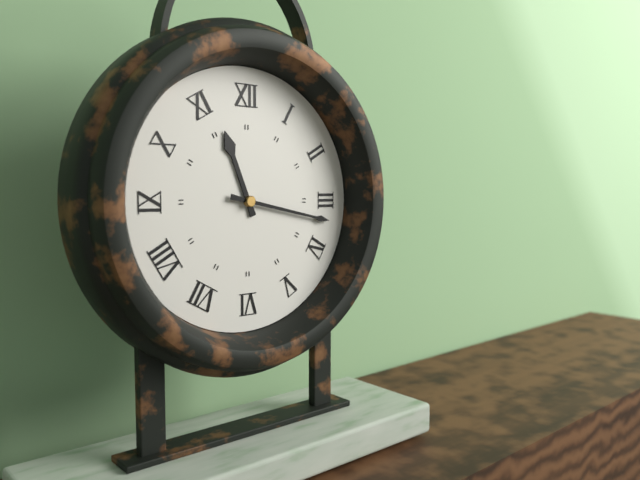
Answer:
11:17
